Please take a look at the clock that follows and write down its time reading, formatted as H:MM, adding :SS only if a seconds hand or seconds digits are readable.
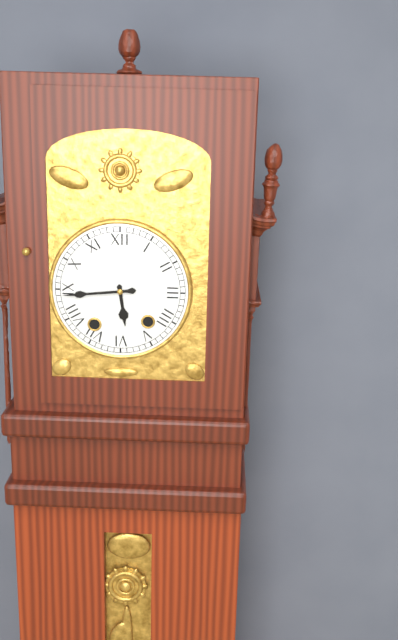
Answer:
5:44
